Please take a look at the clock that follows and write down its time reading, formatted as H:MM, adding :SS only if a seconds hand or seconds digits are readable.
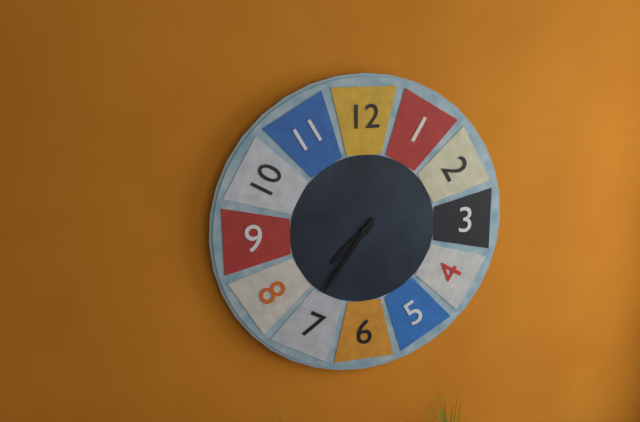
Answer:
7:36
